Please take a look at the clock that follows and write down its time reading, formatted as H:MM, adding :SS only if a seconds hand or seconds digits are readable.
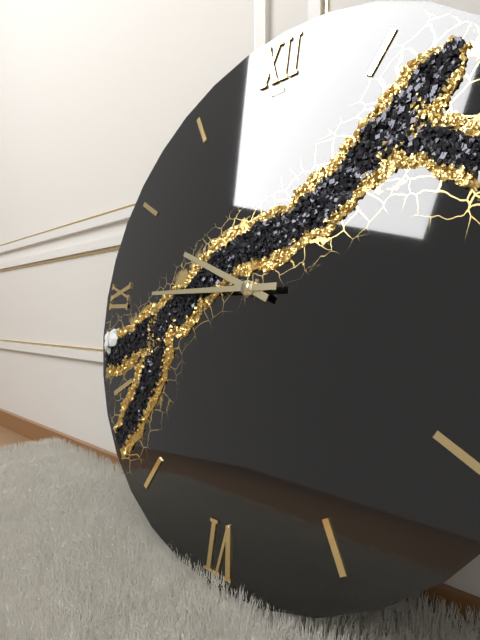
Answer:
9:45
